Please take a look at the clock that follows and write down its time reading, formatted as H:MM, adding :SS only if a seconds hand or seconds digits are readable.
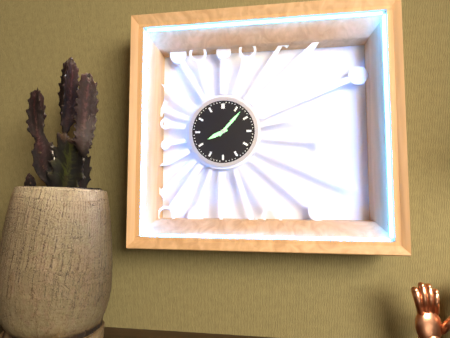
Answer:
8:07
